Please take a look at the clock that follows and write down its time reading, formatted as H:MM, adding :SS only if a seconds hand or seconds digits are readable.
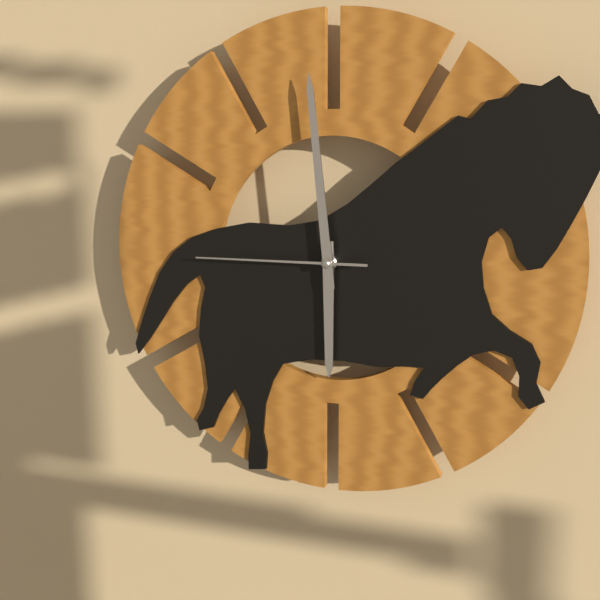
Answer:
5:59:45
